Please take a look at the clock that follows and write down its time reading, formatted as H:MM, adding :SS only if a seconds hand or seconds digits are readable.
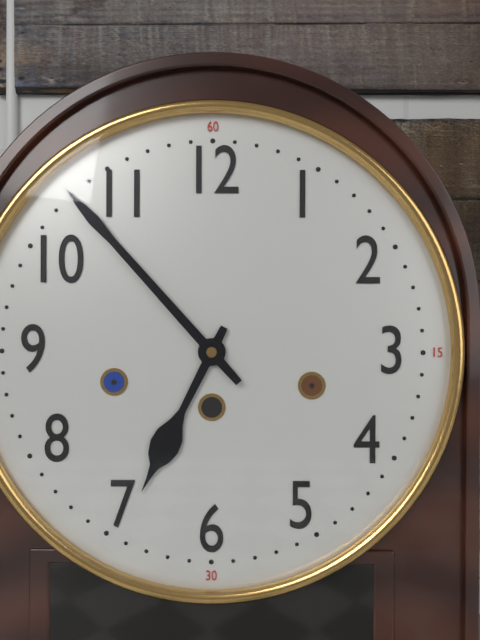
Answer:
6:53
